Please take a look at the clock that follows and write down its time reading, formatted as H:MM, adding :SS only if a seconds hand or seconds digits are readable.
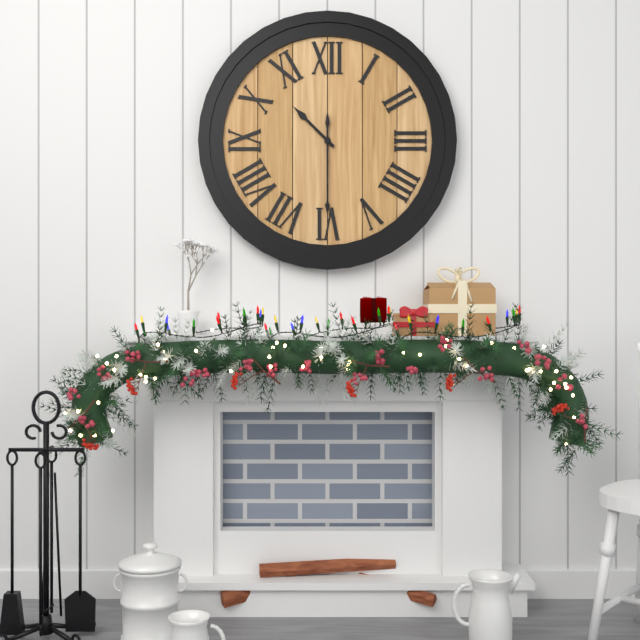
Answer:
10:30
